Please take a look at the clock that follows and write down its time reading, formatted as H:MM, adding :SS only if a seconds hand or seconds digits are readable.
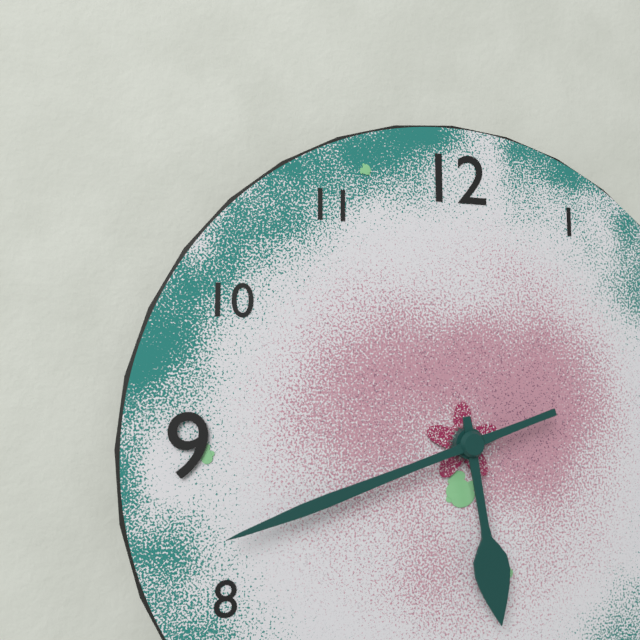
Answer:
5:42
